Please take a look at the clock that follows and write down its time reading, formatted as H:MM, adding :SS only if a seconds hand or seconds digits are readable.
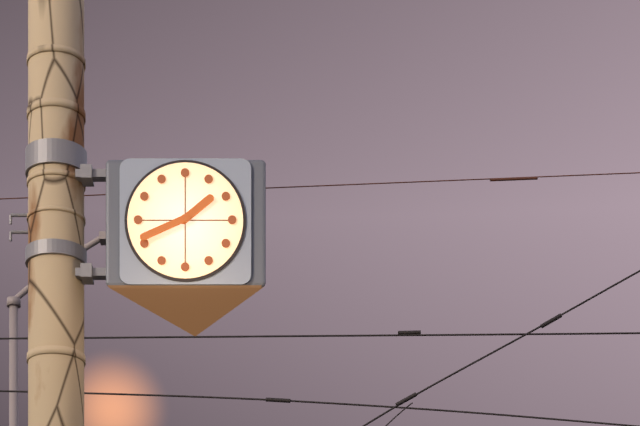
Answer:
1:41
